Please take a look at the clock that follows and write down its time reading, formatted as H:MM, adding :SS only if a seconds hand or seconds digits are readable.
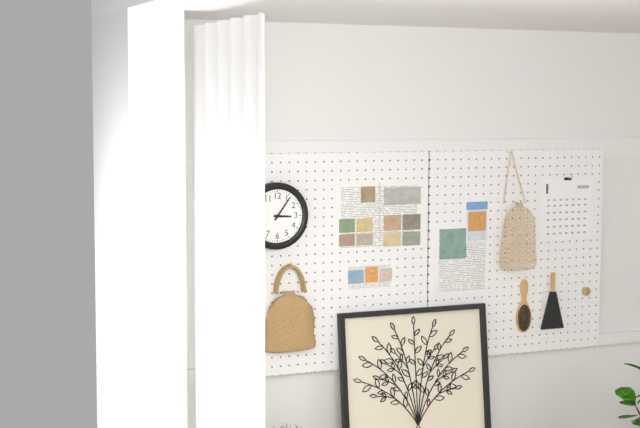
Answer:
3:06
